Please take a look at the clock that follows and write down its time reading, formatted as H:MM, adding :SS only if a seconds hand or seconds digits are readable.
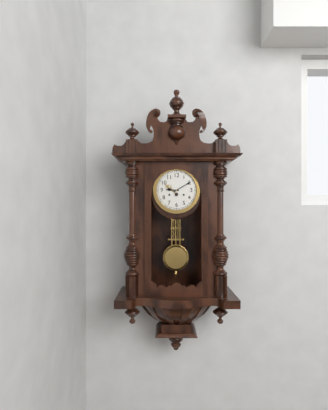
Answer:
9:10
